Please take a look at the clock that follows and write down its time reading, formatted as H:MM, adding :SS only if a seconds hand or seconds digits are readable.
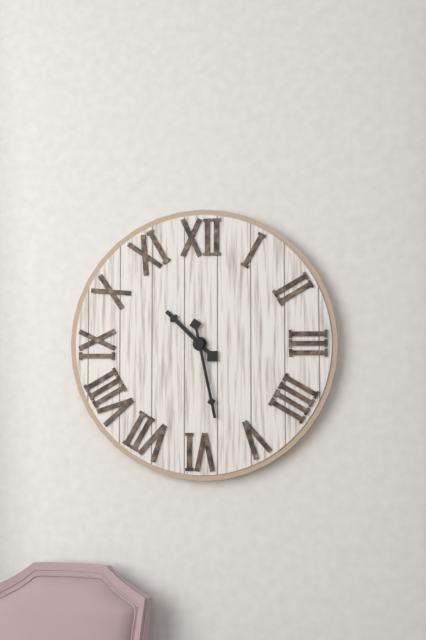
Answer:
10:28
